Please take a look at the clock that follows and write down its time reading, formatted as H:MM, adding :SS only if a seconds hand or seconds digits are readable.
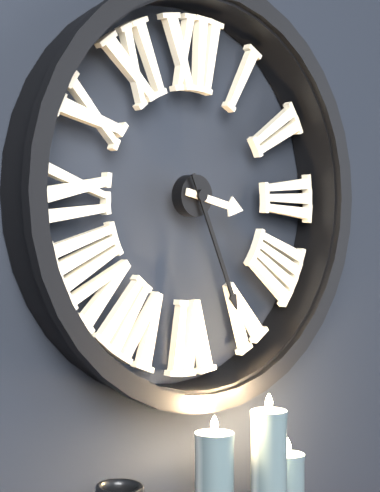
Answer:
3:26
